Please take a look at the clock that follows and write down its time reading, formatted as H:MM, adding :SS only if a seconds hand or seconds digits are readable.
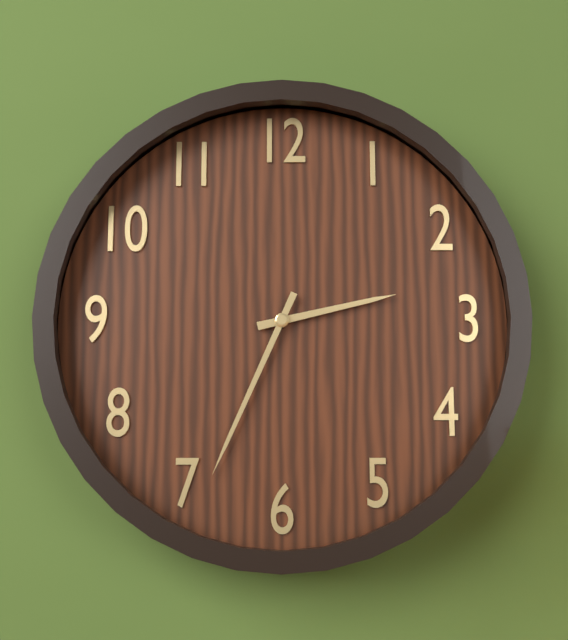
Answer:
2:34
